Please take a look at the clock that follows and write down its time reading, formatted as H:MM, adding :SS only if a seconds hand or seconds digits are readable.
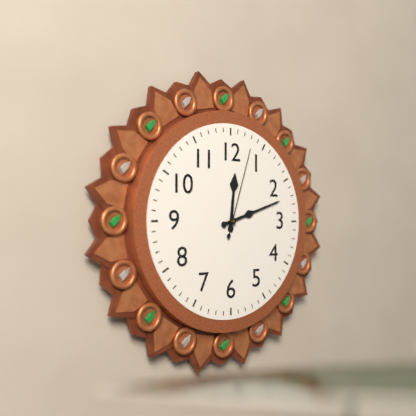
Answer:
12:12:03
